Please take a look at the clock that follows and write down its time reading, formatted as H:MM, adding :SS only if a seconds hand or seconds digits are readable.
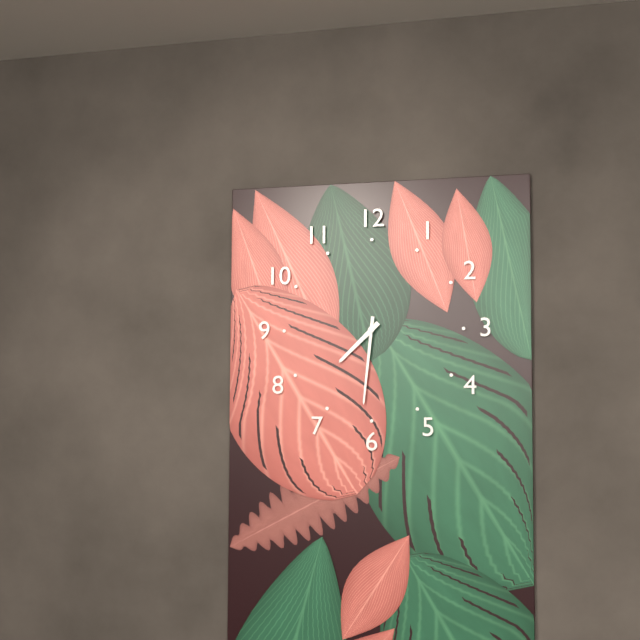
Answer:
7:31
